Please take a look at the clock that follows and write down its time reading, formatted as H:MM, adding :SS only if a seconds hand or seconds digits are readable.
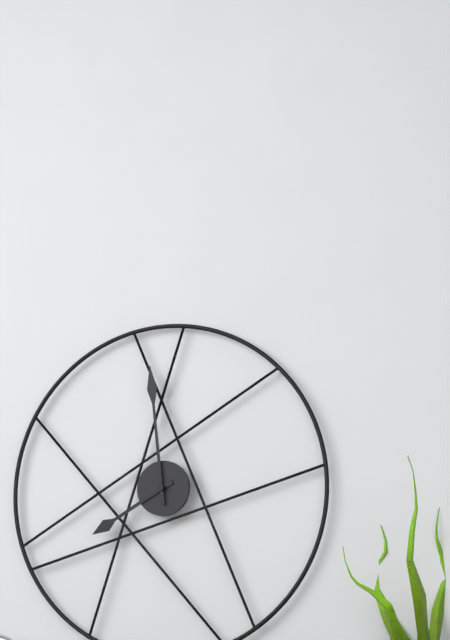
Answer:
7:59
